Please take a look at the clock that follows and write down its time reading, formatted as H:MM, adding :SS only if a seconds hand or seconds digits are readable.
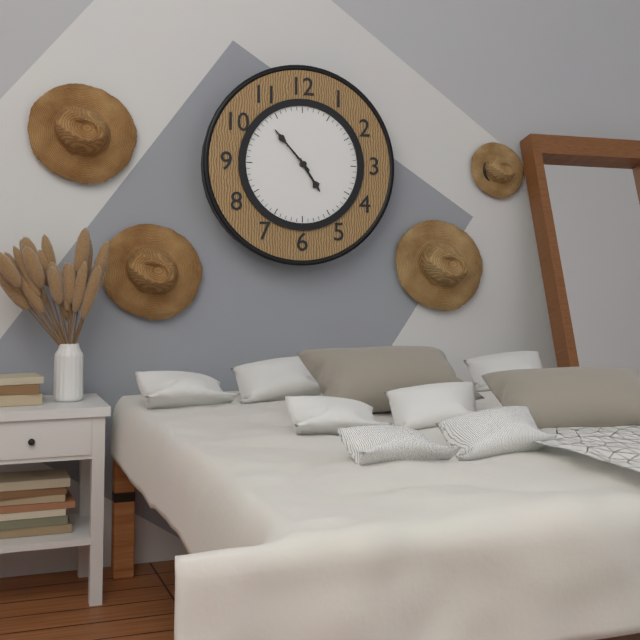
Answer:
4:53
